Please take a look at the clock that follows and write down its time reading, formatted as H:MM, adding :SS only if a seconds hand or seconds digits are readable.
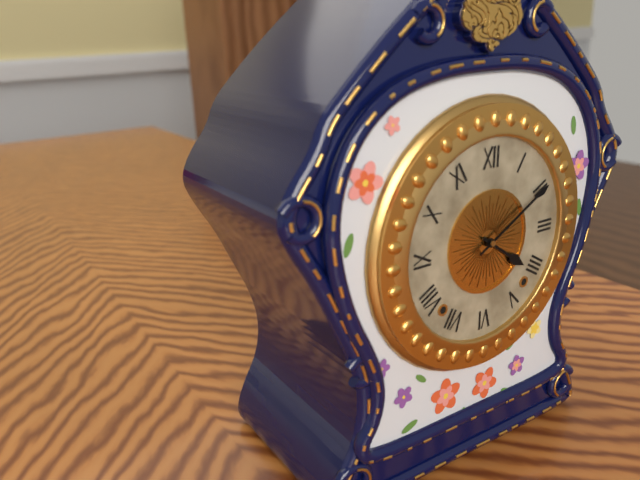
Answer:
4:10
